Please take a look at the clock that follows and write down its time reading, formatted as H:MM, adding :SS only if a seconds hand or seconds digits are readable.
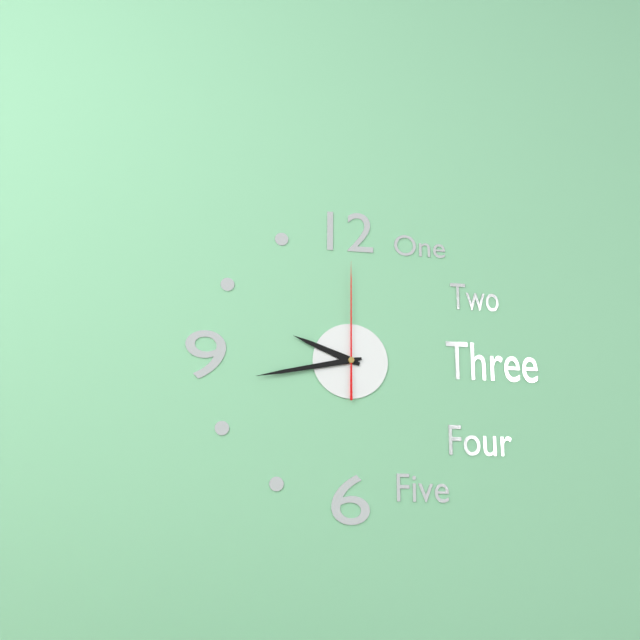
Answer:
9:43:00
